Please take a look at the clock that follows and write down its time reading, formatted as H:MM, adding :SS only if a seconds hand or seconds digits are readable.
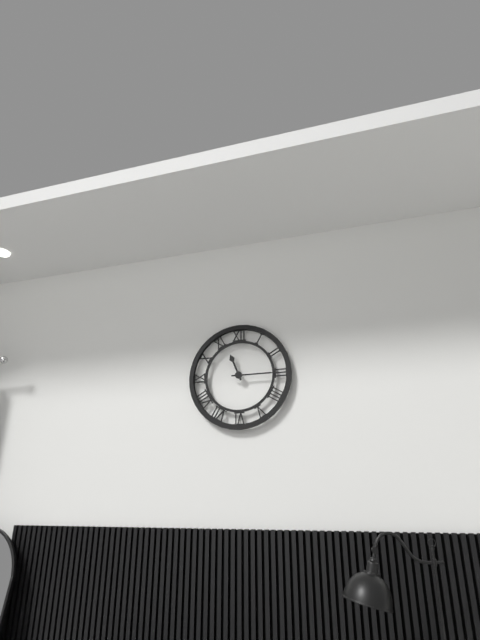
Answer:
11:15
